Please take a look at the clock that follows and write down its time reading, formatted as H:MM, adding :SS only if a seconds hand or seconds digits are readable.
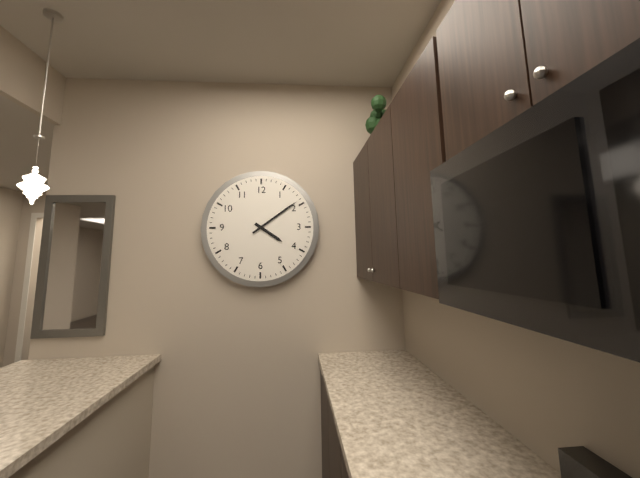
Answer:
4:09
